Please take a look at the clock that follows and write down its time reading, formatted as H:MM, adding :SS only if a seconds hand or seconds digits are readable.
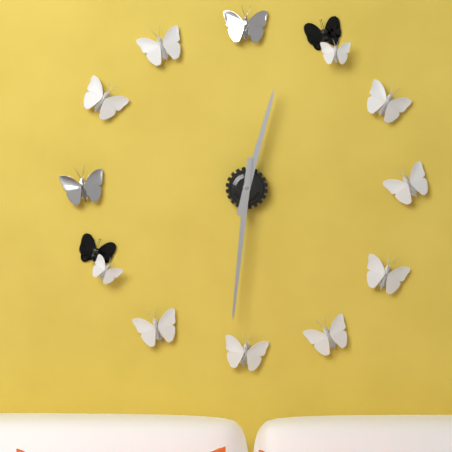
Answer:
12:31
